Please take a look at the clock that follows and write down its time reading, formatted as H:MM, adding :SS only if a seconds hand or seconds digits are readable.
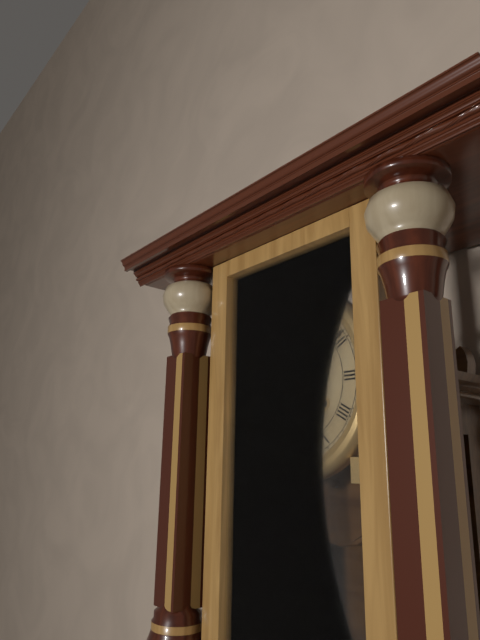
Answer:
7:09
